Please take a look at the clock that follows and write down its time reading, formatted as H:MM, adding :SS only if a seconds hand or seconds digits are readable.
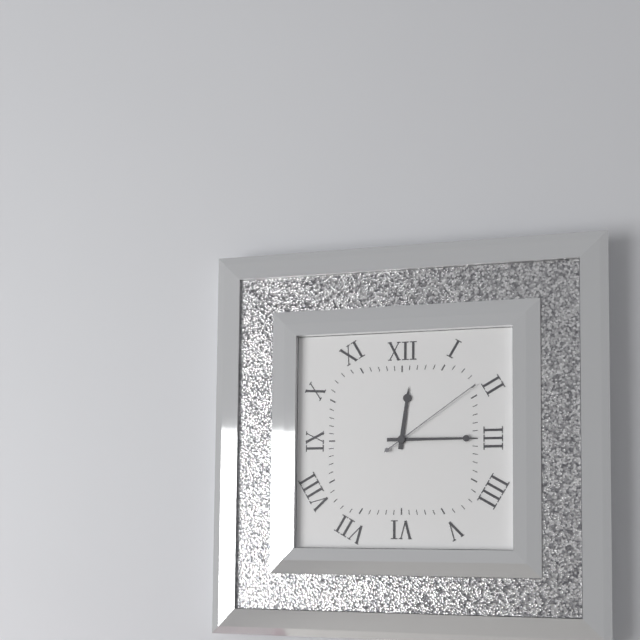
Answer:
12:15:09
